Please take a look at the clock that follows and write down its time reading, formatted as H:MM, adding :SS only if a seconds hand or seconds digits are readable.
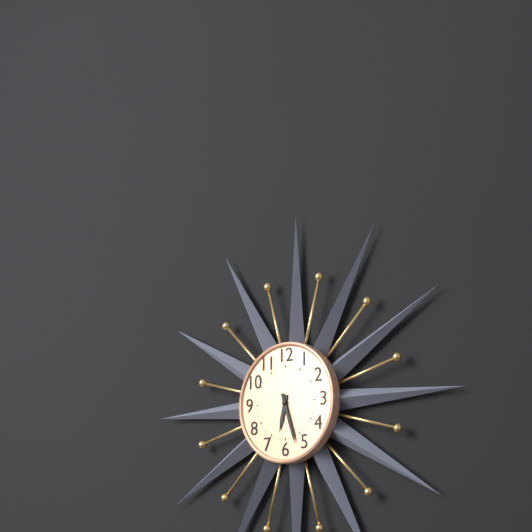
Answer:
6:27
